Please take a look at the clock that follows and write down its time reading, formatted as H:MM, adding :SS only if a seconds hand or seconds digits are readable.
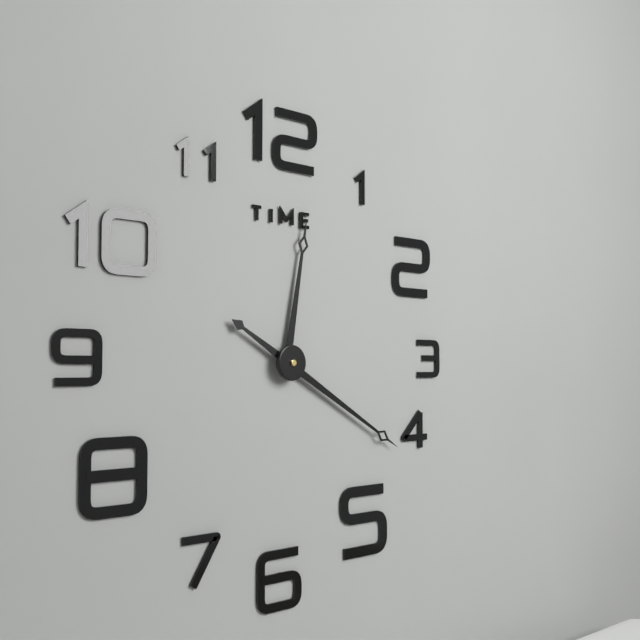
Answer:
12:20
